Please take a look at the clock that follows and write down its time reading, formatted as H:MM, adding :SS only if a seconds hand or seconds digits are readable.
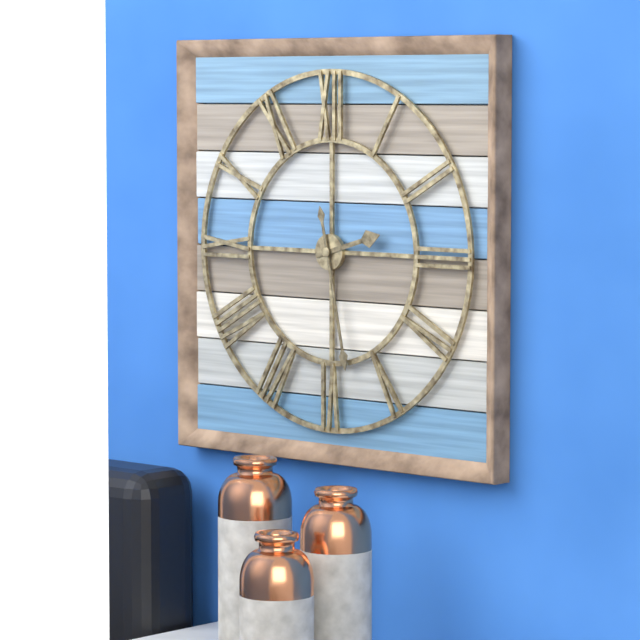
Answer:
2:28
